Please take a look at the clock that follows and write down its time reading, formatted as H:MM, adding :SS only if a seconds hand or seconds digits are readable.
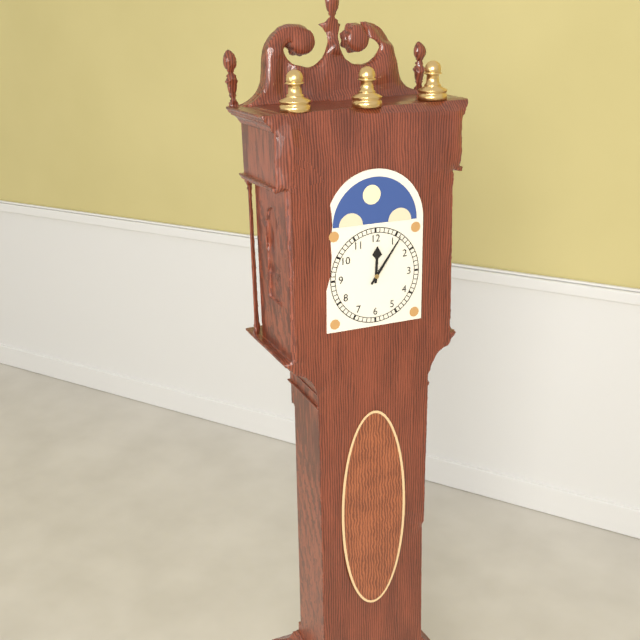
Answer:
12:06
